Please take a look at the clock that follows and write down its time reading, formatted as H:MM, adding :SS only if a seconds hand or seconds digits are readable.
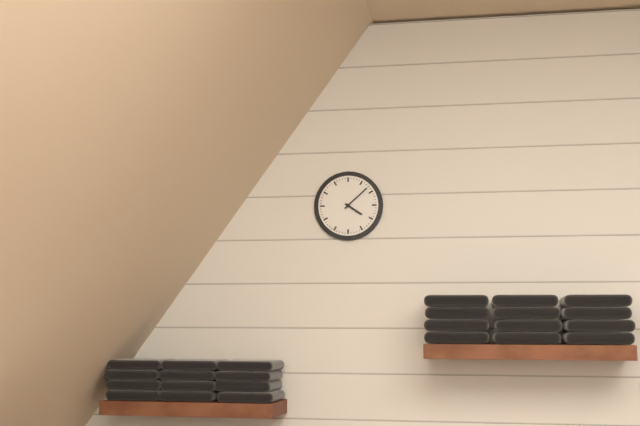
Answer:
4:08
